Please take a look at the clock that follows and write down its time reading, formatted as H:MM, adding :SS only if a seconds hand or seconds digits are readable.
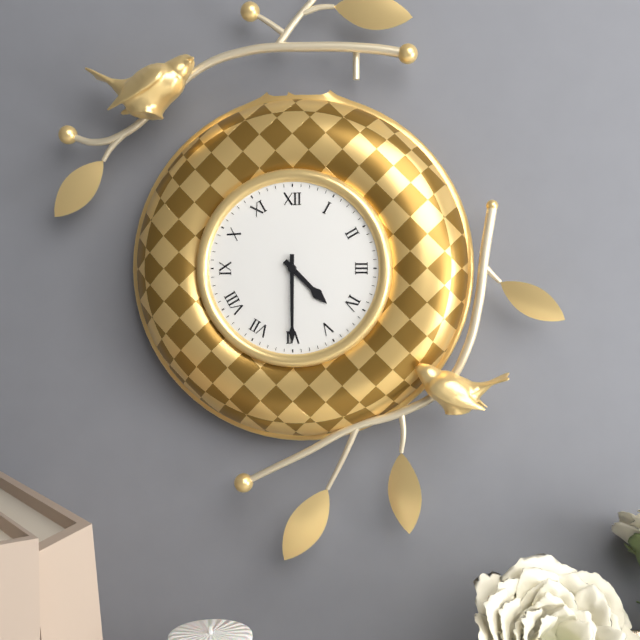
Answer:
4:30
